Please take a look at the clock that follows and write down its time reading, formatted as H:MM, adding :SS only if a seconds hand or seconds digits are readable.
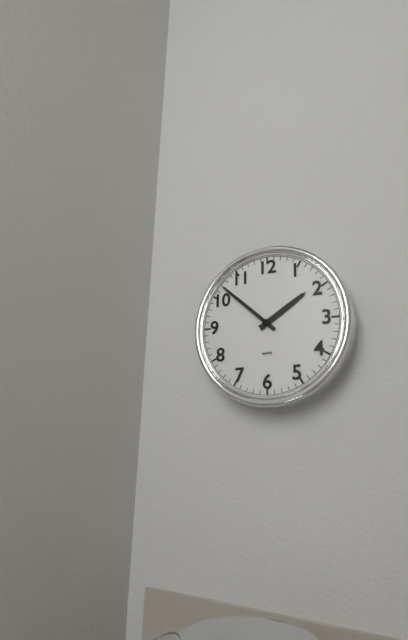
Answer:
1:52
